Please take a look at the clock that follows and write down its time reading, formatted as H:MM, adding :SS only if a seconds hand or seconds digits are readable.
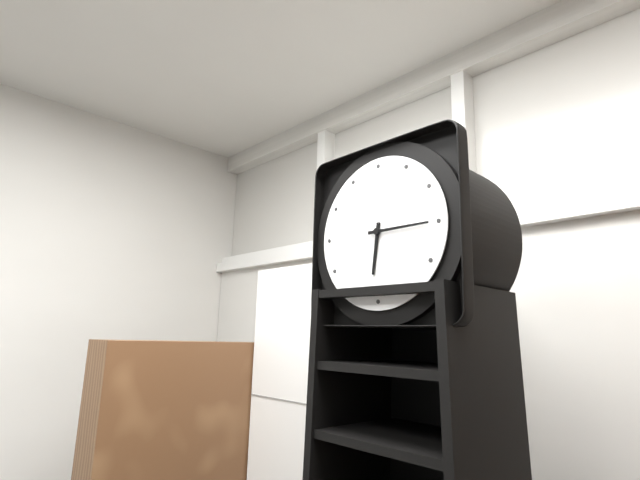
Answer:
6:15
